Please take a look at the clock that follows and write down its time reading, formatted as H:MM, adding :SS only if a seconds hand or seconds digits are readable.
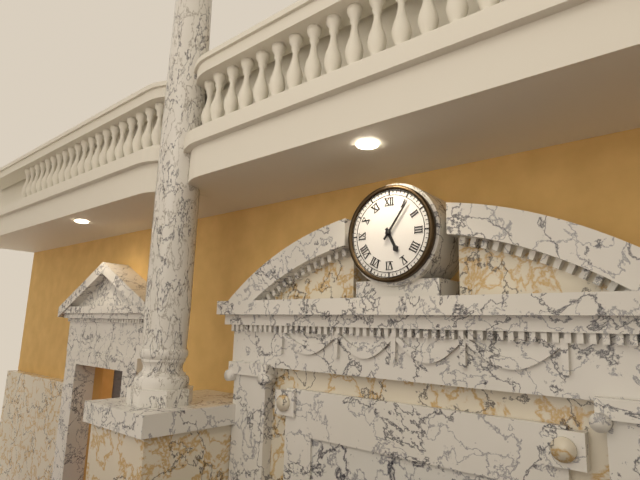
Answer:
5:06
